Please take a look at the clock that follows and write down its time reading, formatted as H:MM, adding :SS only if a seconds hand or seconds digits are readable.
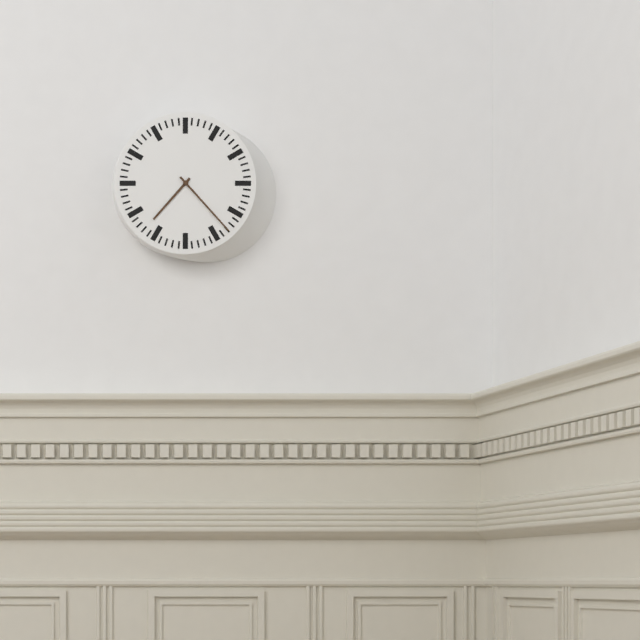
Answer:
7:23
